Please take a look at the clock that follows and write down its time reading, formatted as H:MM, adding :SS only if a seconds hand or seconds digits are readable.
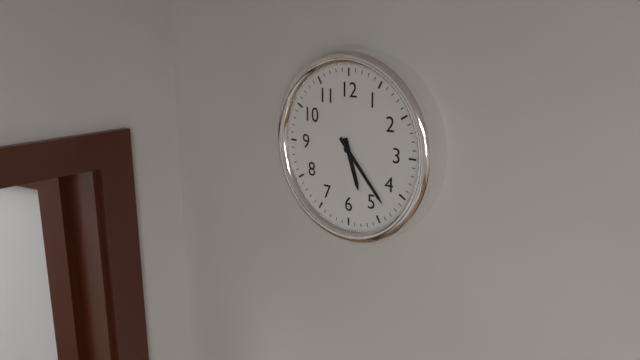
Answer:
5:23
